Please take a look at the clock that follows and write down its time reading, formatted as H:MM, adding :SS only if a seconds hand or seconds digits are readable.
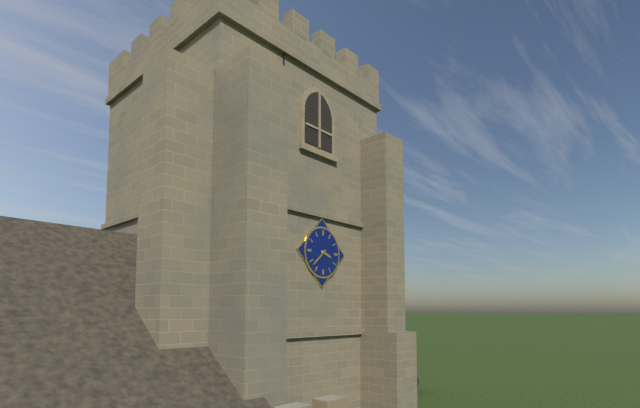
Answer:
3:38
